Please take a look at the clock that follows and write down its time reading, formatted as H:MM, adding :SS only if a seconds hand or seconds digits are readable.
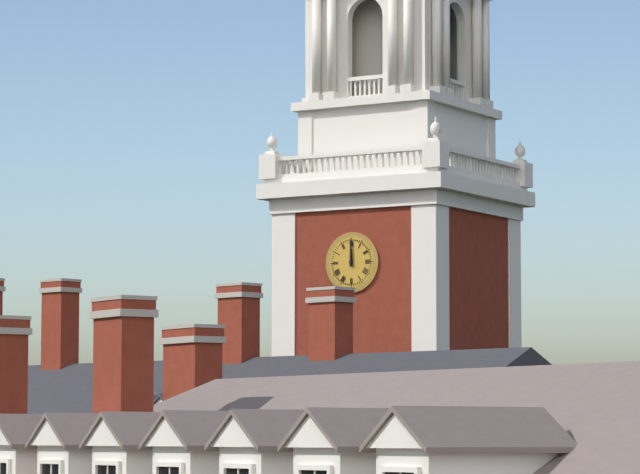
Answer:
12:00
